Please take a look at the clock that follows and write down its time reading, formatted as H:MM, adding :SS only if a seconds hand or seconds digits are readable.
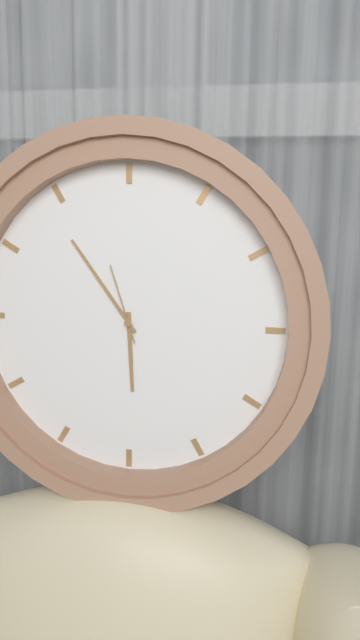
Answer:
5:54:57
